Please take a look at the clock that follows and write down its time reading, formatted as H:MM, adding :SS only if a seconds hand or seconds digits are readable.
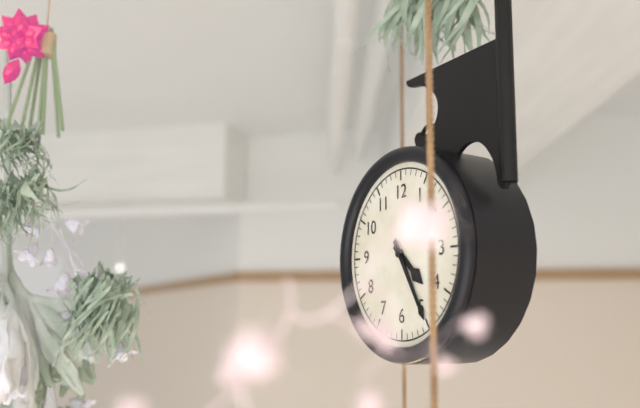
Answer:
4:25
